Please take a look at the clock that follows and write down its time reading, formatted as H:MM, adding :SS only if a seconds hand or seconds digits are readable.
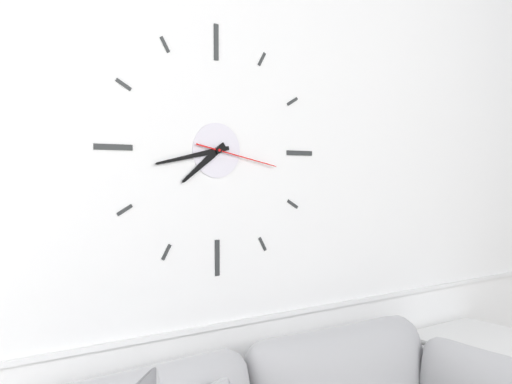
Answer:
7:43:17
